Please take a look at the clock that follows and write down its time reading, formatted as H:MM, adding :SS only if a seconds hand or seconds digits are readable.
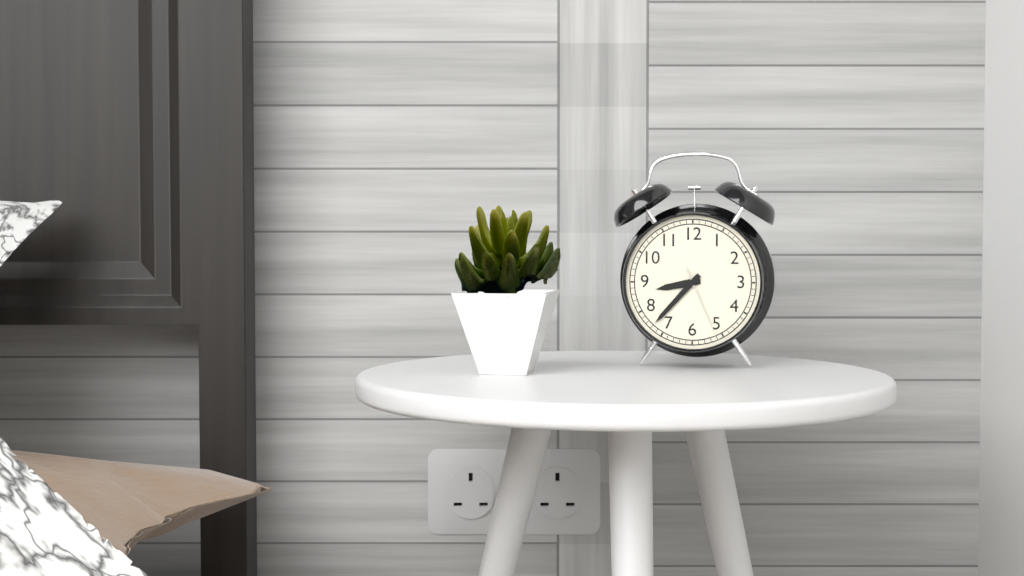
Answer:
8:37:26
